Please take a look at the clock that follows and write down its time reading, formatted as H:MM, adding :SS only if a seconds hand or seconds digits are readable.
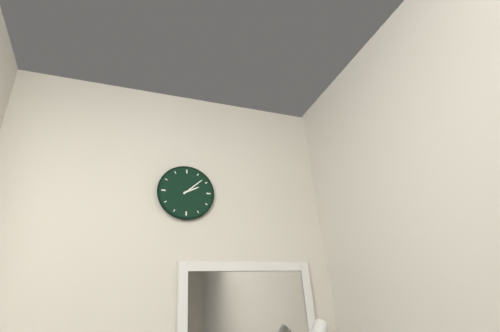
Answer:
2:08
